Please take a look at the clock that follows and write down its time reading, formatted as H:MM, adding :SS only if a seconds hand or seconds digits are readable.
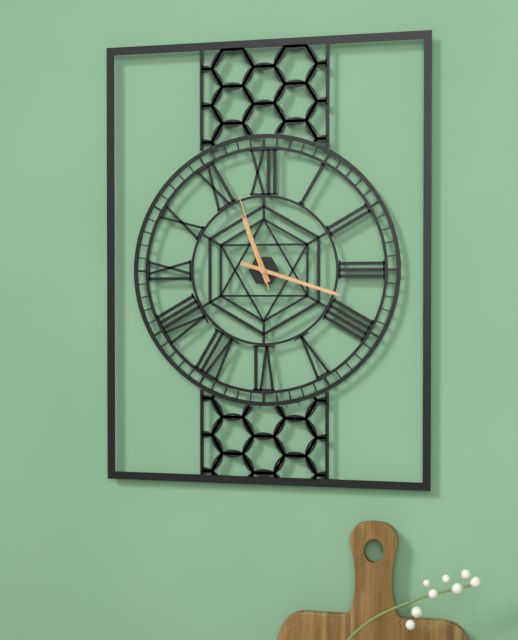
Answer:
11:18:57
